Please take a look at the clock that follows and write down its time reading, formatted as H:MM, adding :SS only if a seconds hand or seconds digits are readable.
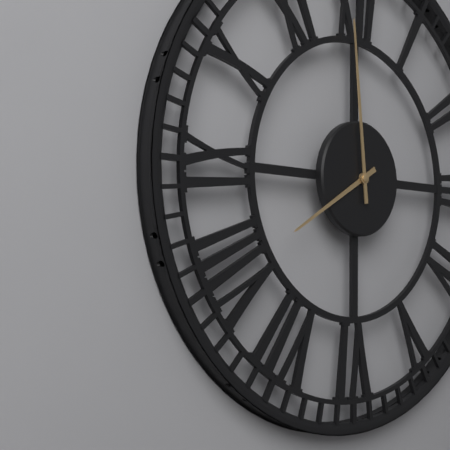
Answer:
7:59
